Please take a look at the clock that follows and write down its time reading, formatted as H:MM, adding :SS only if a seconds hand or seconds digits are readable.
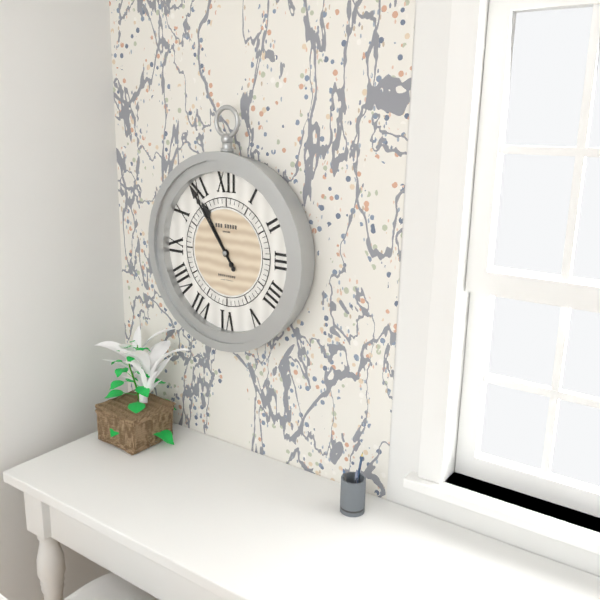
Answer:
10:54
